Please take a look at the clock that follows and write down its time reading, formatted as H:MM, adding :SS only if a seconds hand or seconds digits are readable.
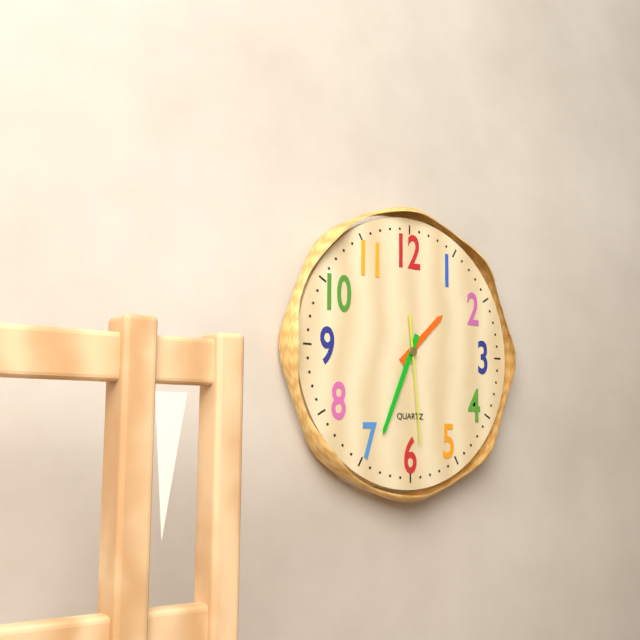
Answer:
1:34:29
